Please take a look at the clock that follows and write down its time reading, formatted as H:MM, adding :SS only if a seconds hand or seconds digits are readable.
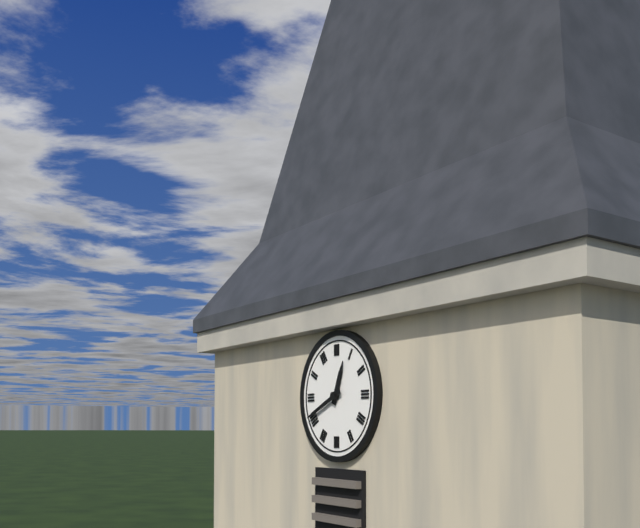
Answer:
12:41
